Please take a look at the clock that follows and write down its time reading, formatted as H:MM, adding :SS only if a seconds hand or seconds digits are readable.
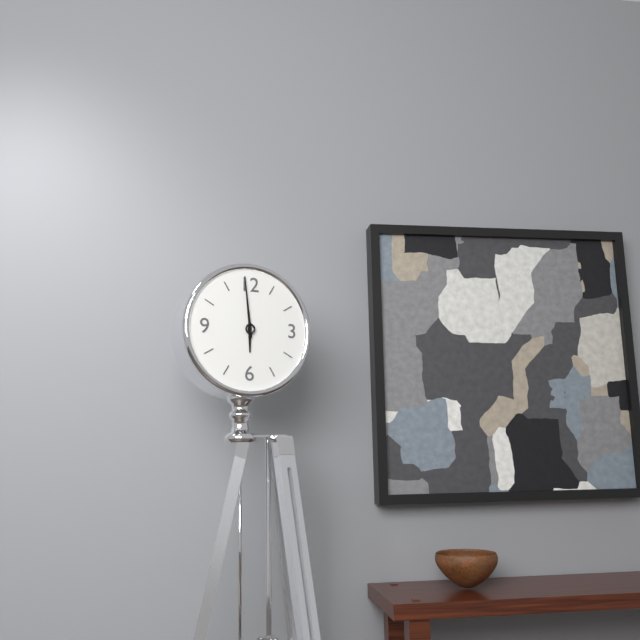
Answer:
5:59
